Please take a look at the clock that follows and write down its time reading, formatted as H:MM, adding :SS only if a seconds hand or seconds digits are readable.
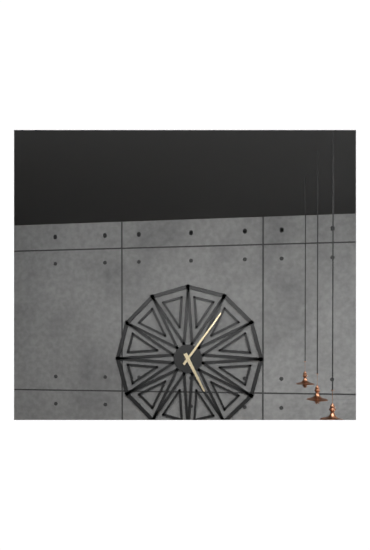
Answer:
5:06
